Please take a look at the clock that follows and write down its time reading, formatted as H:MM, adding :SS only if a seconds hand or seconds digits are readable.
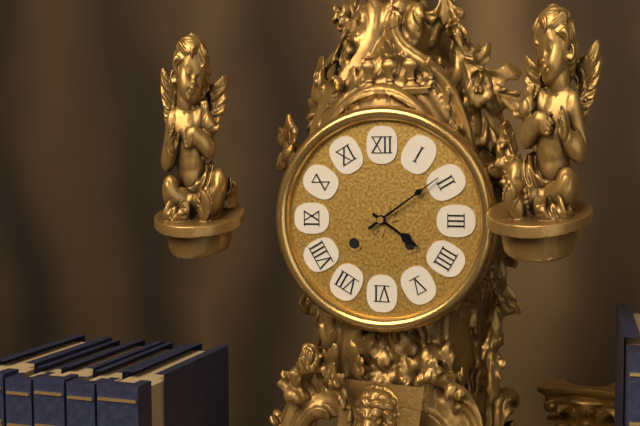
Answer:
4:09
